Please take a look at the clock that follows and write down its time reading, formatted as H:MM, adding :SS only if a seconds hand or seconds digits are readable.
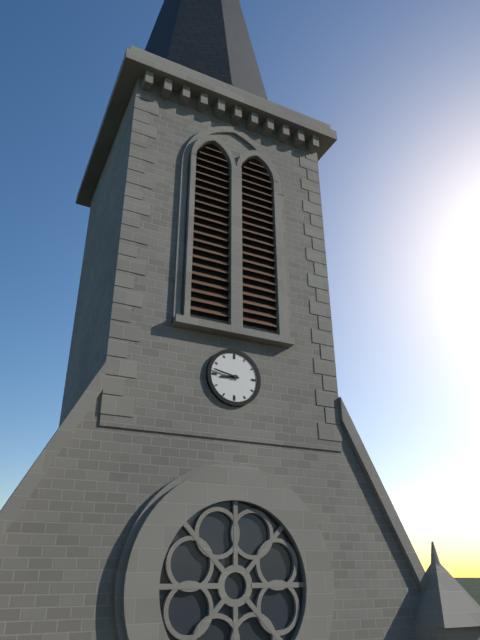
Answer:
8:47
